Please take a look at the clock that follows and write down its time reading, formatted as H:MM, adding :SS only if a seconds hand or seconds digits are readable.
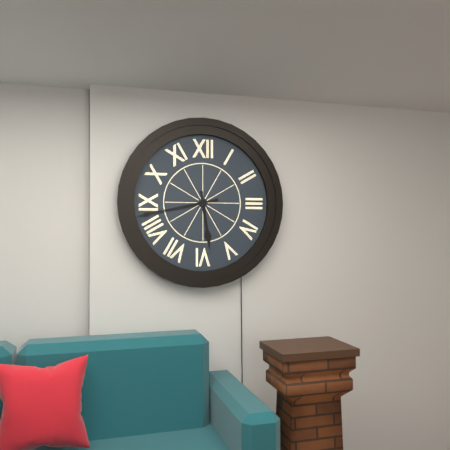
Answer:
5:43
